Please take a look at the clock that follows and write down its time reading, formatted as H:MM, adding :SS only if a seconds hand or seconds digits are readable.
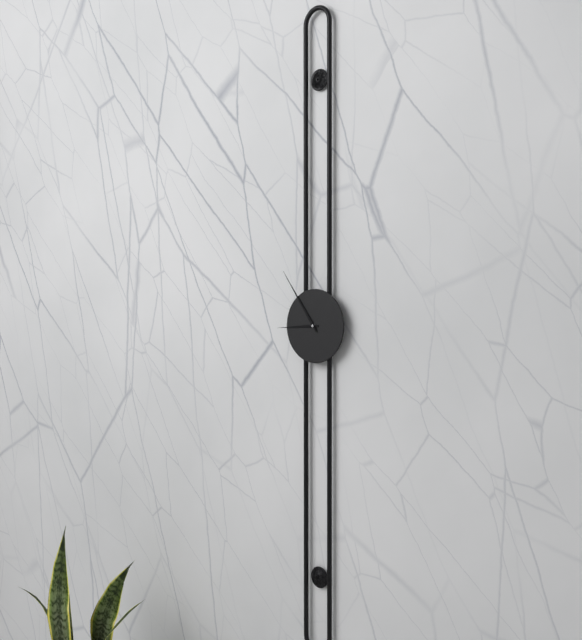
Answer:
8:54
